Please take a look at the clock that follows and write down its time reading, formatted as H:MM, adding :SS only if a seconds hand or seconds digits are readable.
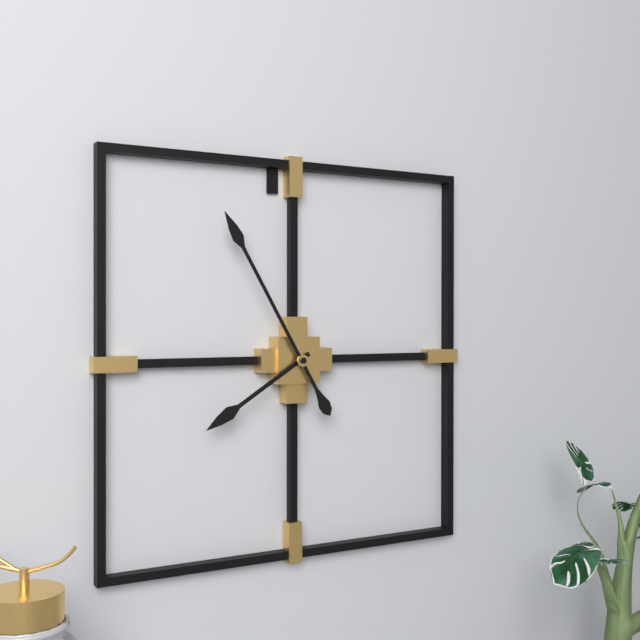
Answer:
7:55
